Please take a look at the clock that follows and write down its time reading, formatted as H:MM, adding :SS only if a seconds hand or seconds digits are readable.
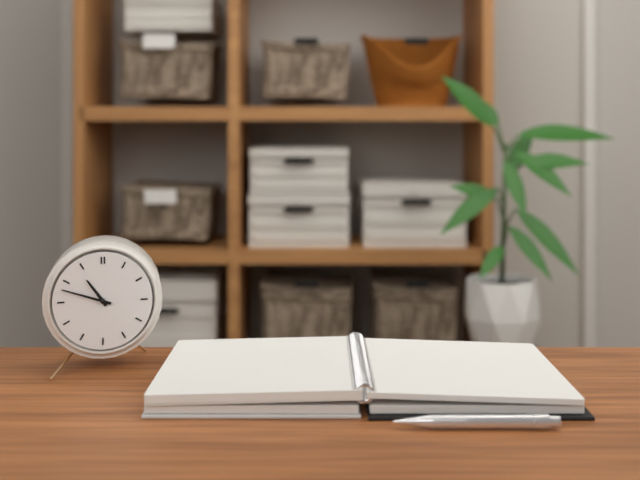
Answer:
10:48
